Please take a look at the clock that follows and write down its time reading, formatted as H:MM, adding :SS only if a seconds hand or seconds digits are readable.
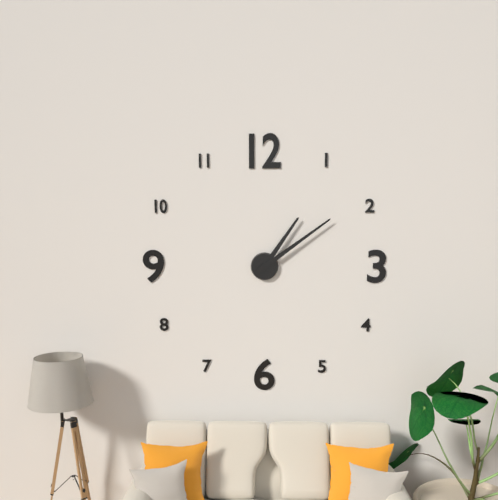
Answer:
1:09
